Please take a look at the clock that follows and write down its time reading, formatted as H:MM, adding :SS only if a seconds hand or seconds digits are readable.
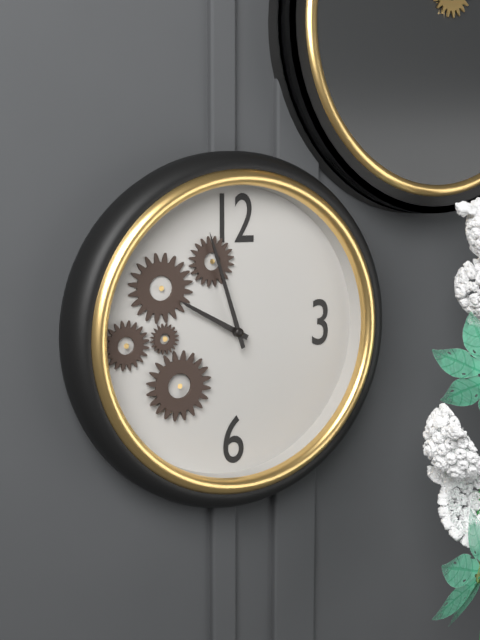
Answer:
9:57
